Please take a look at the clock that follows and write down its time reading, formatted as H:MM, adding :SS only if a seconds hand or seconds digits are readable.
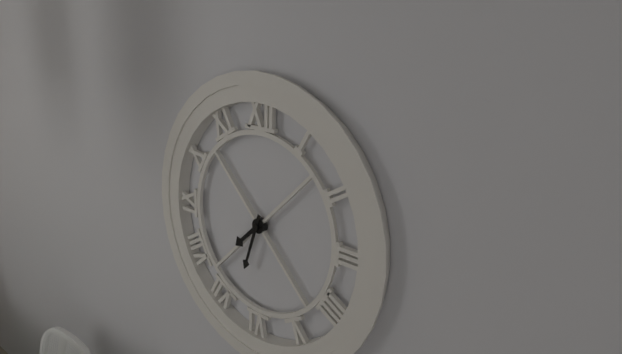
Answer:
7:33
